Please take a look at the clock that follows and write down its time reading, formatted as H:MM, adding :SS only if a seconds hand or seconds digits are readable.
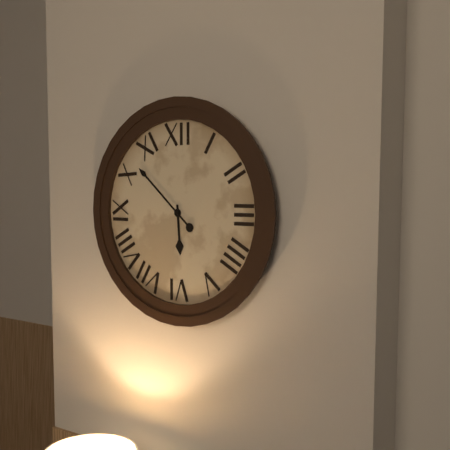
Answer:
5:52
